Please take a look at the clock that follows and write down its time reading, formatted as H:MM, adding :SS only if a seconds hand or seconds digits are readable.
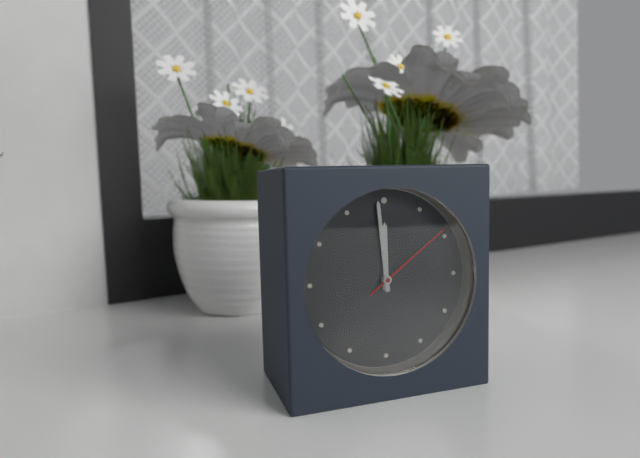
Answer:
11:59:09
